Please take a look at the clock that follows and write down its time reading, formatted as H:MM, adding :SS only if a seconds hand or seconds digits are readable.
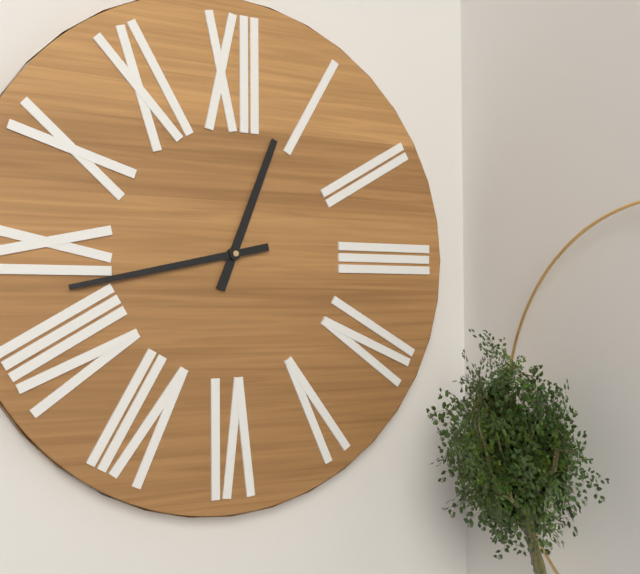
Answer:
12:43
